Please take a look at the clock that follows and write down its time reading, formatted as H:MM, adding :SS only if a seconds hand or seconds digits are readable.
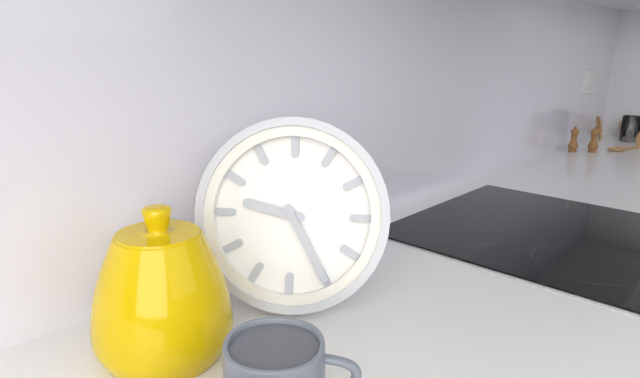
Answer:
9:25
